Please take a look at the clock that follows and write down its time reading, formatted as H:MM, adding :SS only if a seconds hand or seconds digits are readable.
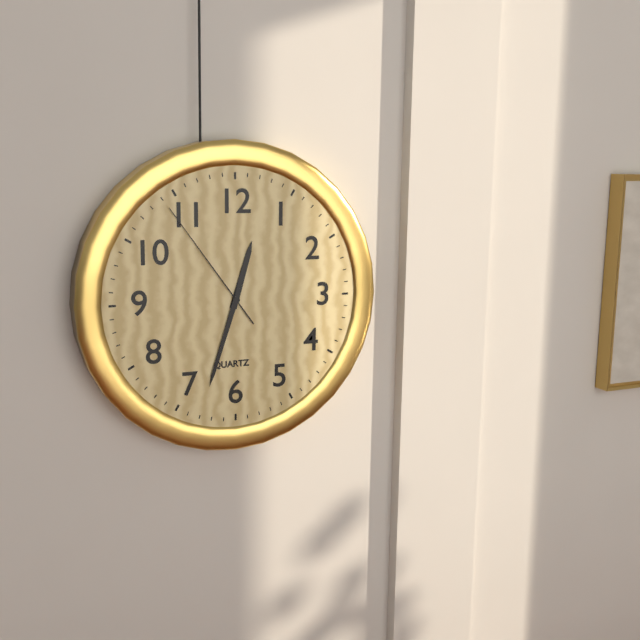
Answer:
12:33:54
